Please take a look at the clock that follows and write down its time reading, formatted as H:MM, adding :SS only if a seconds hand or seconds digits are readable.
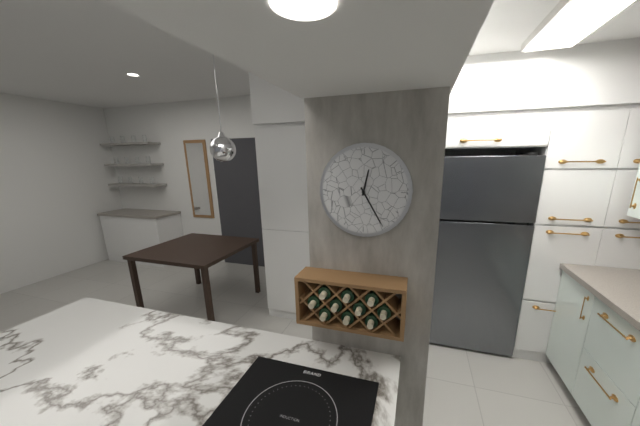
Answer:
12:25
